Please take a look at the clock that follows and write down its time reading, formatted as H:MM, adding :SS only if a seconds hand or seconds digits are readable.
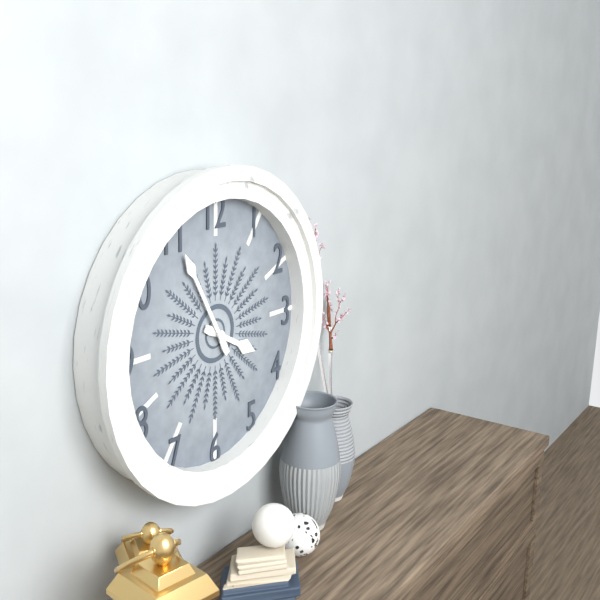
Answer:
3:55
